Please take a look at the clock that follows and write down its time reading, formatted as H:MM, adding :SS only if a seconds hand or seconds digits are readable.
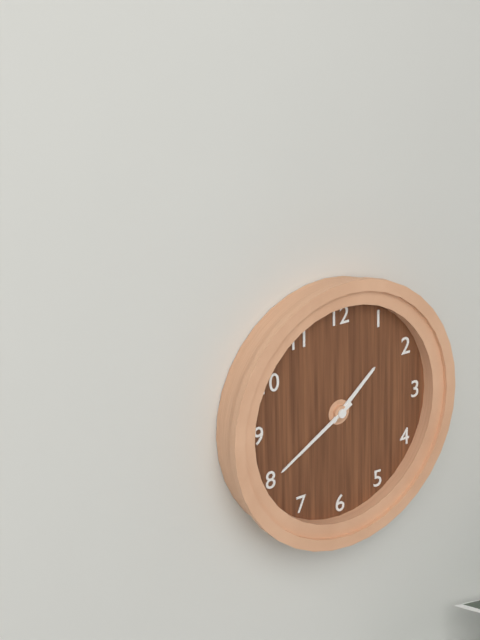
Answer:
1:40
